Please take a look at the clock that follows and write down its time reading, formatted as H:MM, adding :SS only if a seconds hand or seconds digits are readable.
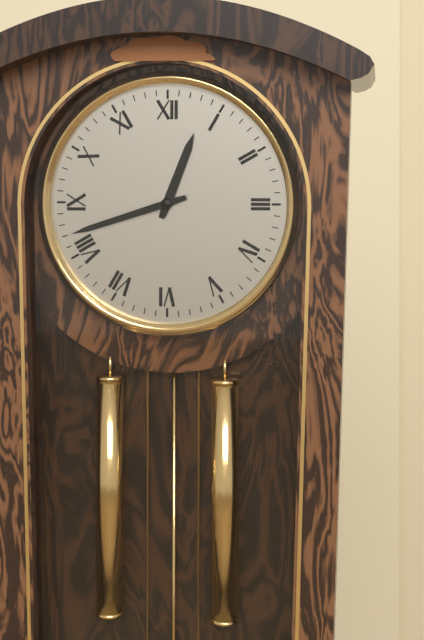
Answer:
12:42
